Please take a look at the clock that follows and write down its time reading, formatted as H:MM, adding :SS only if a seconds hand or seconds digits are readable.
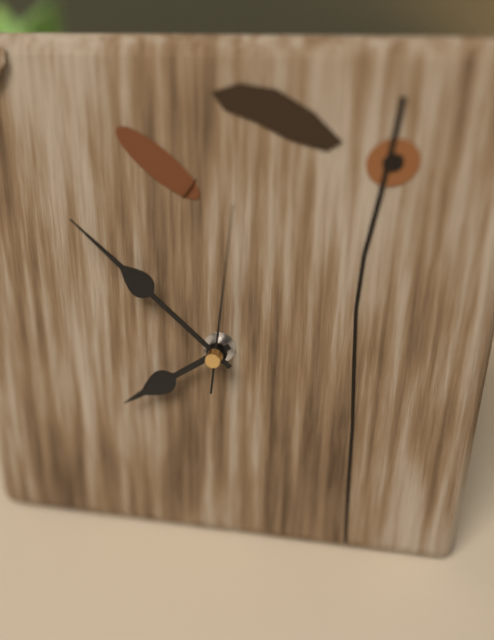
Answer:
7:52:01
